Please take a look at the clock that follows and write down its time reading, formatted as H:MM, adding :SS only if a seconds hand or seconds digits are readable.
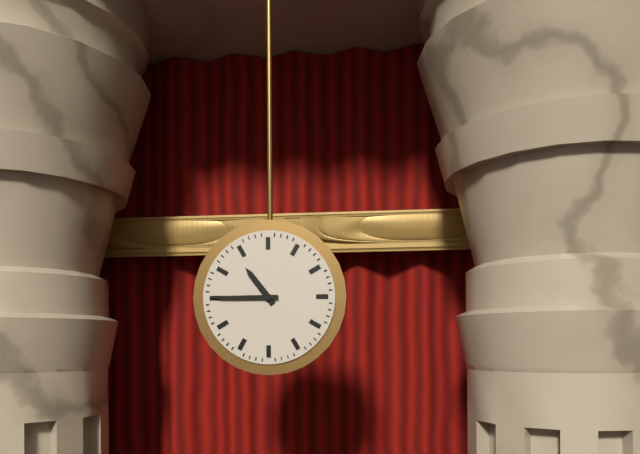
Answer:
10:45
